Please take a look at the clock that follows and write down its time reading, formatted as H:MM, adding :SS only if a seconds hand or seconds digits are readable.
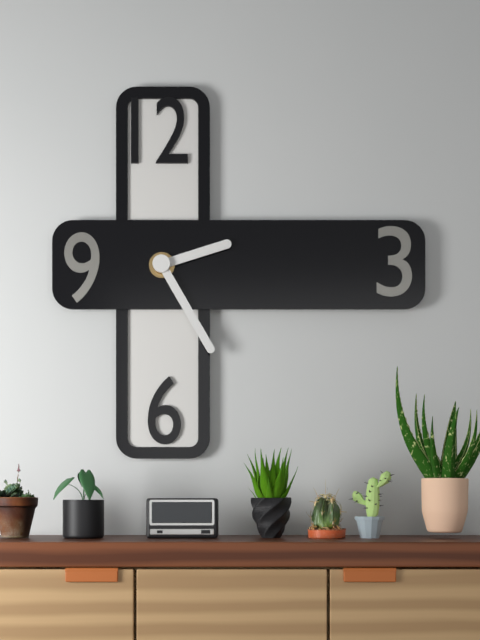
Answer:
2:25
